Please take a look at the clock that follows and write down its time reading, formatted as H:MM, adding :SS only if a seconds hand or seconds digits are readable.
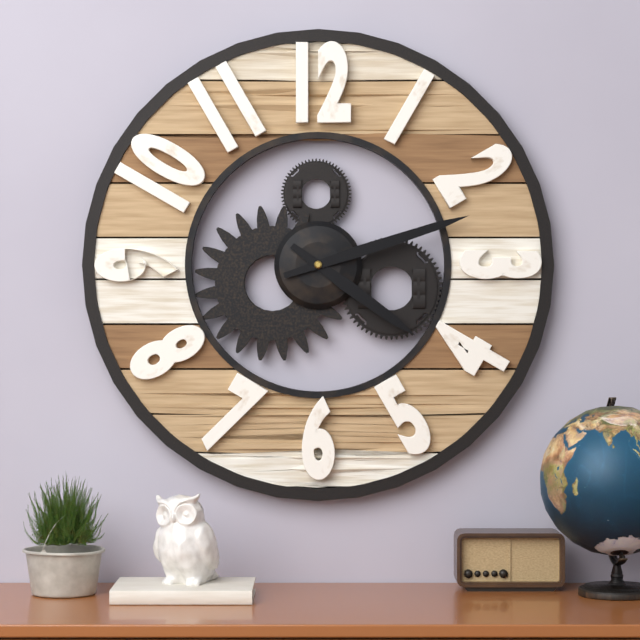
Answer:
4:12
